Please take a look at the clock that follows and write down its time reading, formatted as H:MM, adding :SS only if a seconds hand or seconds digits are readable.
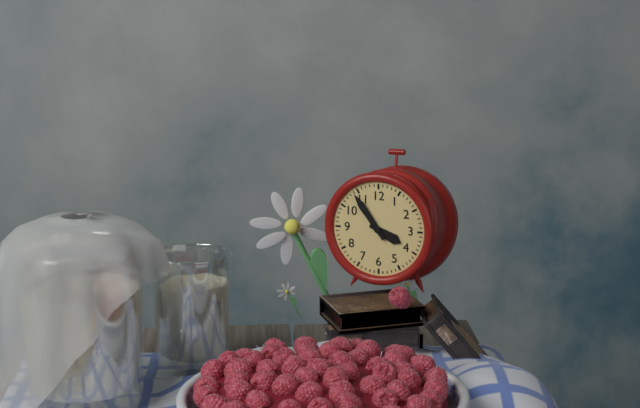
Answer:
3:54
